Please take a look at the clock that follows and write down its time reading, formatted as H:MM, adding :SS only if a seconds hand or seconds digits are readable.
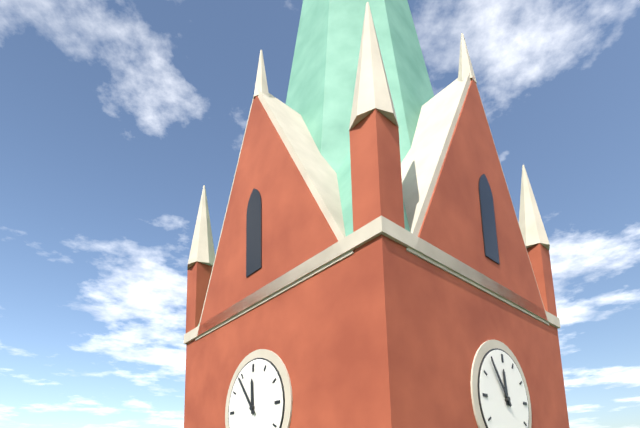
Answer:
11:54
